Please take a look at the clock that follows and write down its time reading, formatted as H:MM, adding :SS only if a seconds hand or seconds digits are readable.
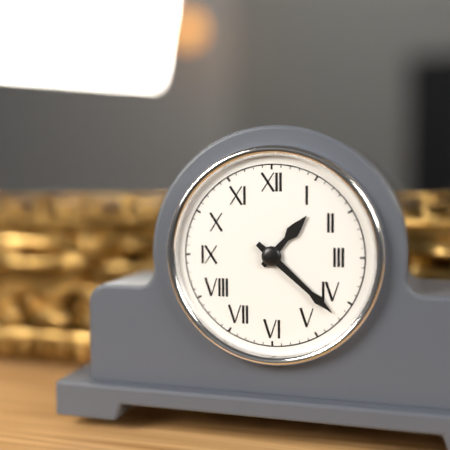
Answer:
1:22
